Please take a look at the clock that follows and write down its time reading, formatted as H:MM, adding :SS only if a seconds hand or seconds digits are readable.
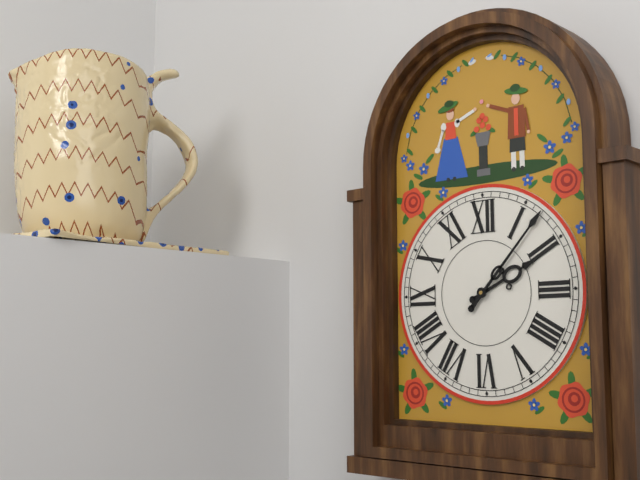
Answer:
2:07
